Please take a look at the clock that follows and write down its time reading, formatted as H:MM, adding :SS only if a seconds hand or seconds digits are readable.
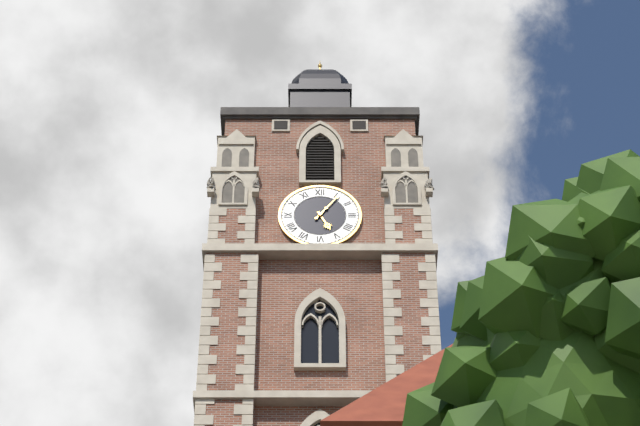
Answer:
5:06
